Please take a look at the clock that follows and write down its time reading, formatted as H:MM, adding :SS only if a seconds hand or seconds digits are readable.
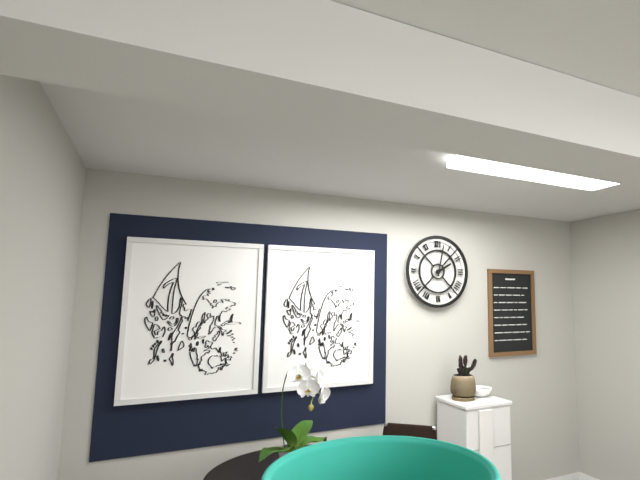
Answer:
2:02
